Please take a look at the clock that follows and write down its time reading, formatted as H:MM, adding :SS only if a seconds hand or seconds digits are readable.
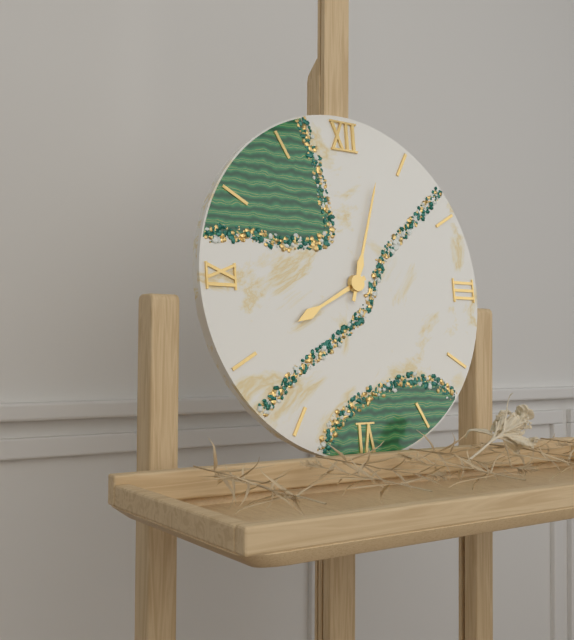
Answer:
8:03
